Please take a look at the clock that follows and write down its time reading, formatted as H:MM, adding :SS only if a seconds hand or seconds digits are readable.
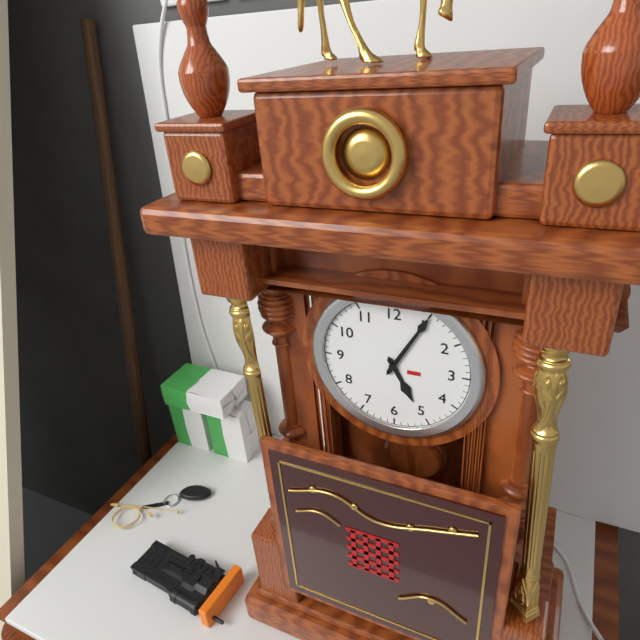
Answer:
5:05
